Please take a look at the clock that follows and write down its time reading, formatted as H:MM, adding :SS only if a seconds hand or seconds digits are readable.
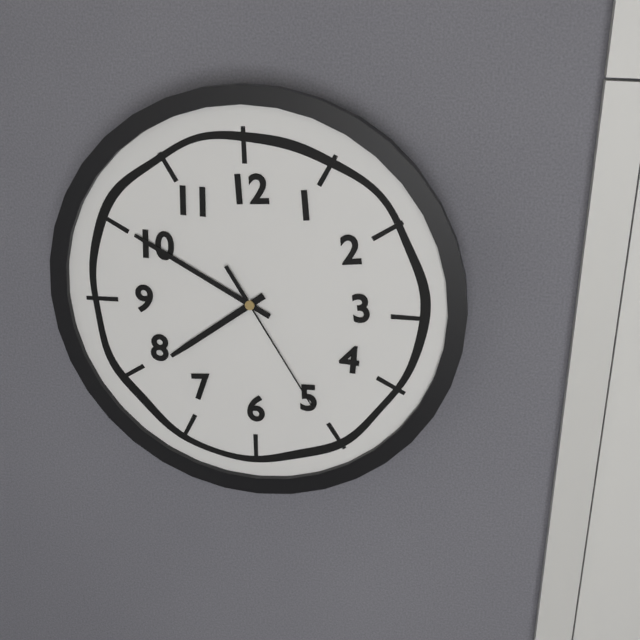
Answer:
7:50:25
